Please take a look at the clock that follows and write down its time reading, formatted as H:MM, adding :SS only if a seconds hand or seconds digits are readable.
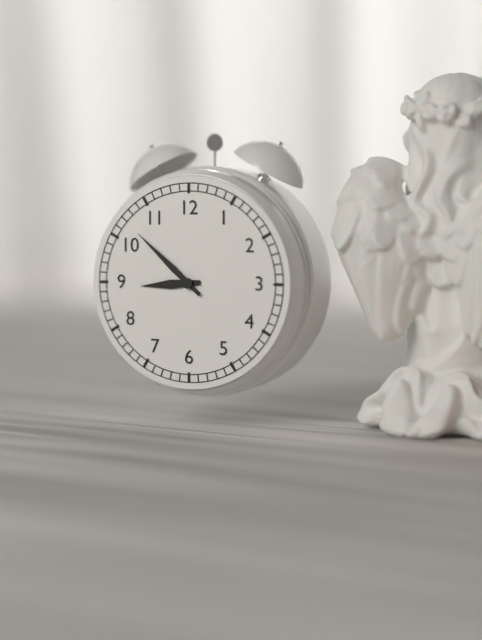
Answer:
8:52
